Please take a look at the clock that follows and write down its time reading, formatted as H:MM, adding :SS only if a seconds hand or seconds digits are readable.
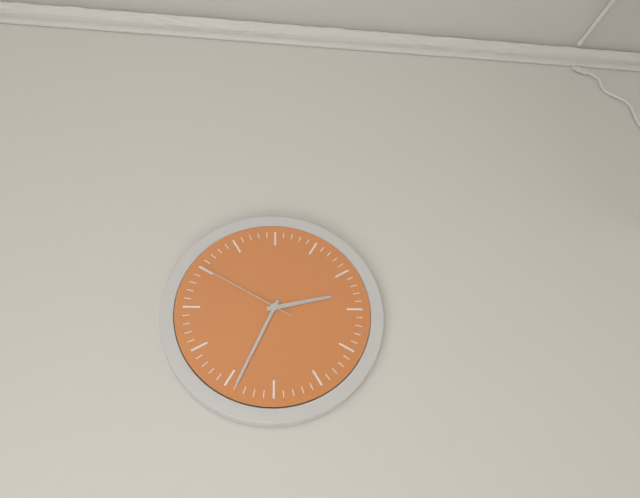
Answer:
2:34:50
